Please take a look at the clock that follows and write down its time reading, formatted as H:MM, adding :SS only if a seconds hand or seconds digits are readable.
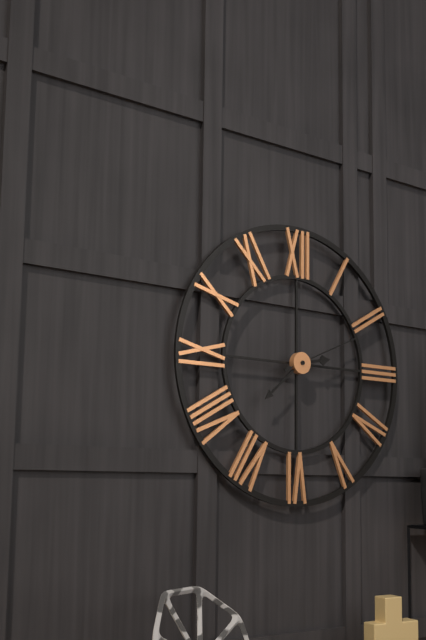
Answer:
2:38:11
